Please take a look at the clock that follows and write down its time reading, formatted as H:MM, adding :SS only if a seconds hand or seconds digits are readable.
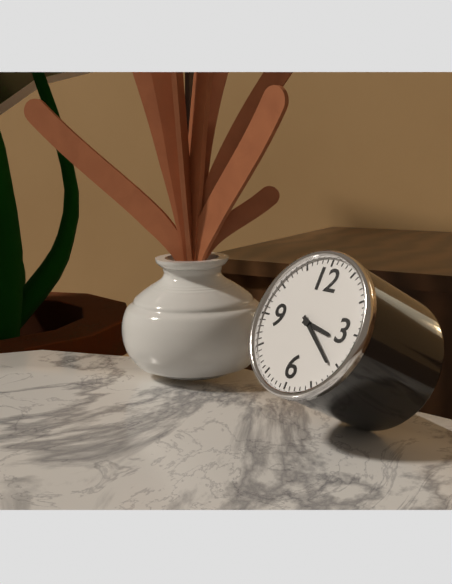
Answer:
3:21
